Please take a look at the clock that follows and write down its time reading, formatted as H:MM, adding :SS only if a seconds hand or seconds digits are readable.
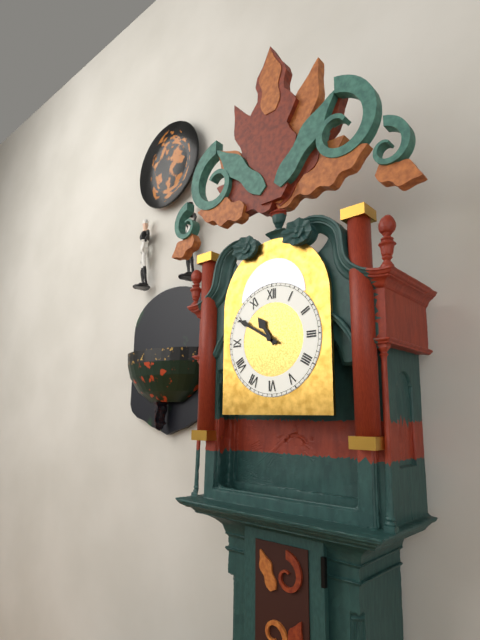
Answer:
10:50
